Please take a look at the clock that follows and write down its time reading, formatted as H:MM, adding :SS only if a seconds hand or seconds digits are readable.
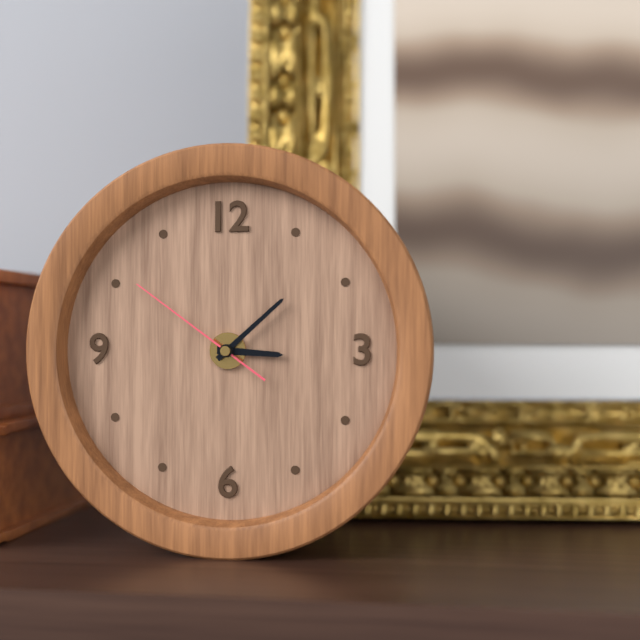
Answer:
3:08:51
